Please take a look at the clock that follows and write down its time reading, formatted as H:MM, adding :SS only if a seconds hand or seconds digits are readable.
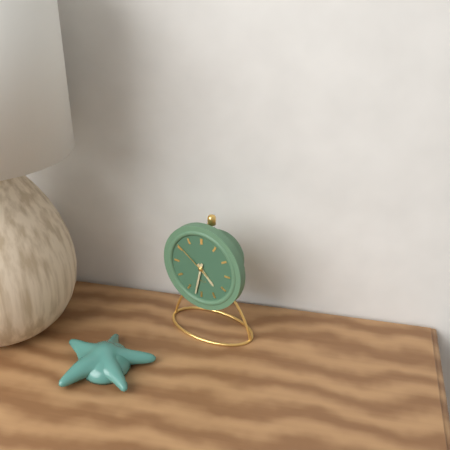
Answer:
4:32
